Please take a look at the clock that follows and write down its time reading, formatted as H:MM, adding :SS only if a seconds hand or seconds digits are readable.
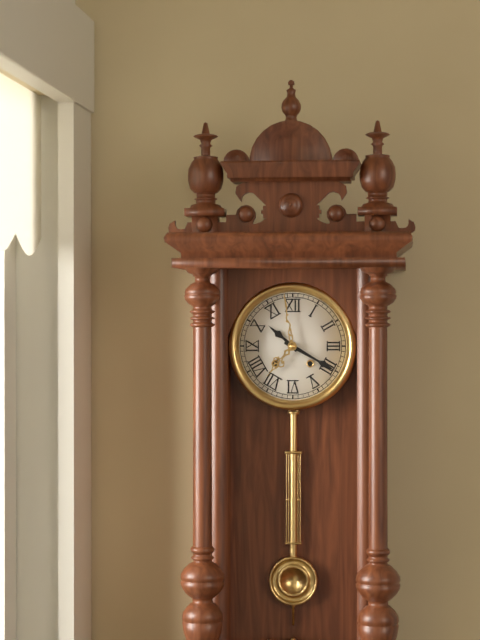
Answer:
10:20
